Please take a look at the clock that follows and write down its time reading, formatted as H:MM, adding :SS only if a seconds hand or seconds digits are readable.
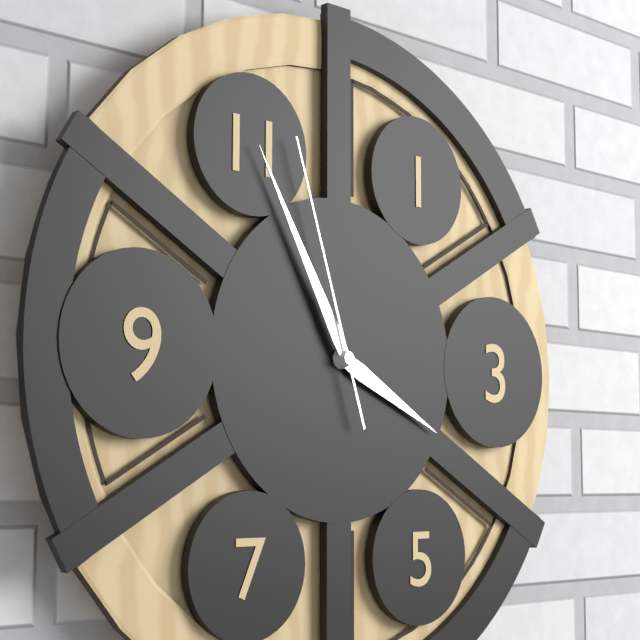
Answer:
3:55:57
